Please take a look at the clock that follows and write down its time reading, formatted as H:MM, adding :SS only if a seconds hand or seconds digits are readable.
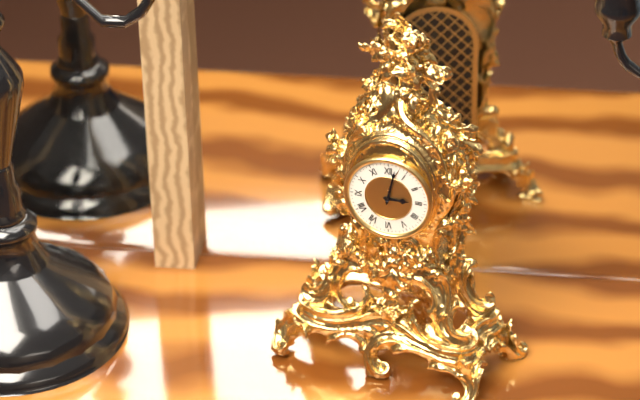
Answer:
3:02
